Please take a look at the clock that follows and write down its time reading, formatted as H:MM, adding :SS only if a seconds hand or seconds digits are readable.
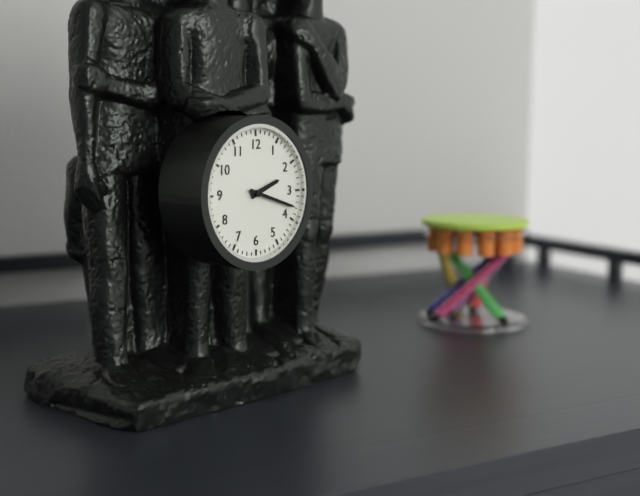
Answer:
2:18
